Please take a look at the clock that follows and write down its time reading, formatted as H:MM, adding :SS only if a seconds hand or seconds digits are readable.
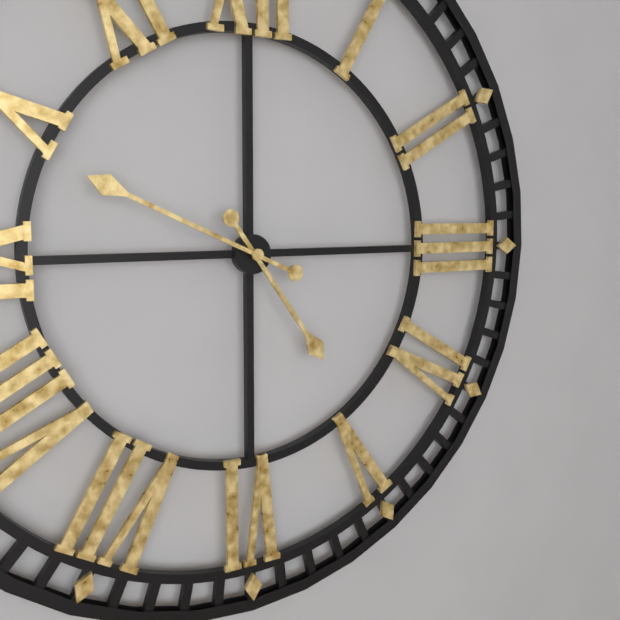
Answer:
4:49
